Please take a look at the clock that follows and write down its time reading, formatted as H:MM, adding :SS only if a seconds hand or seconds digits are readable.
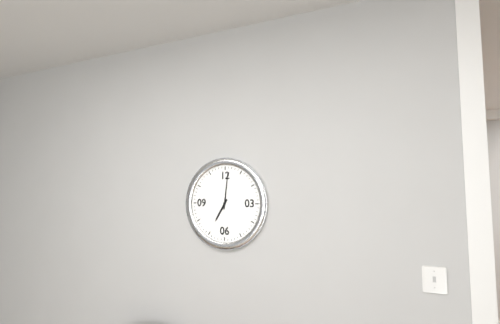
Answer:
7:01
